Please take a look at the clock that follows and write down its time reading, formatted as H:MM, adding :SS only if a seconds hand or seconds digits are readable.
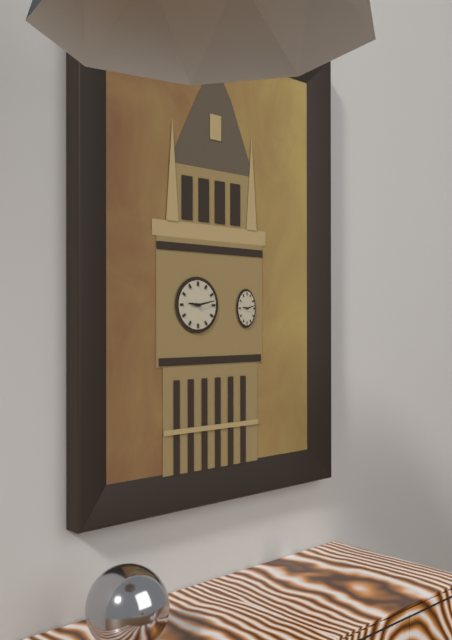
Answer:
9:13
